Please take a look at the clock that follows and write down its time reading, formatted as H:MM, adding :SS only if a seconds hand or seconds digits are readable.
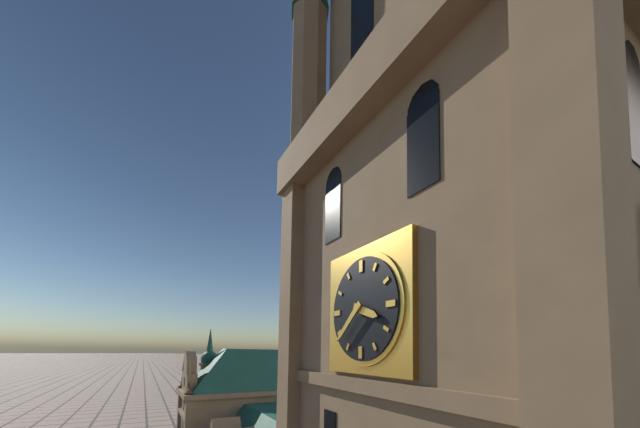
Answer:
3:38
